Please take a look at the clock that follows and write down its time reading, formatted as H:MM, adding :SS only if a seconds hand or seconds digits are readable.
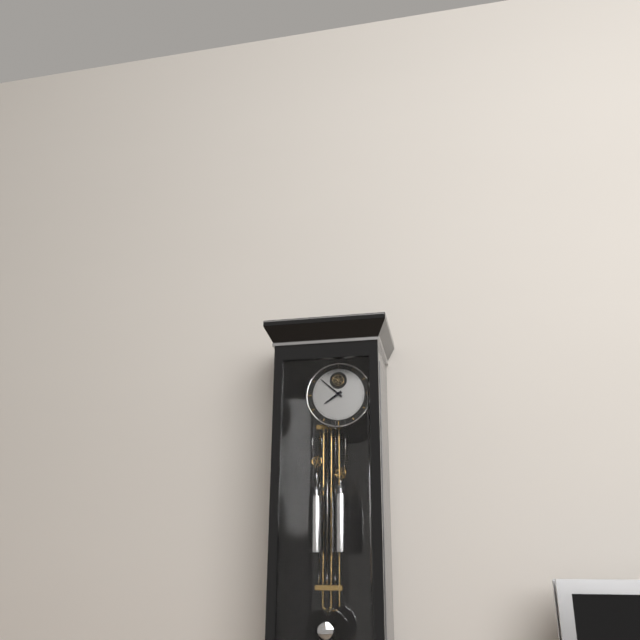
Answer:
7:52
